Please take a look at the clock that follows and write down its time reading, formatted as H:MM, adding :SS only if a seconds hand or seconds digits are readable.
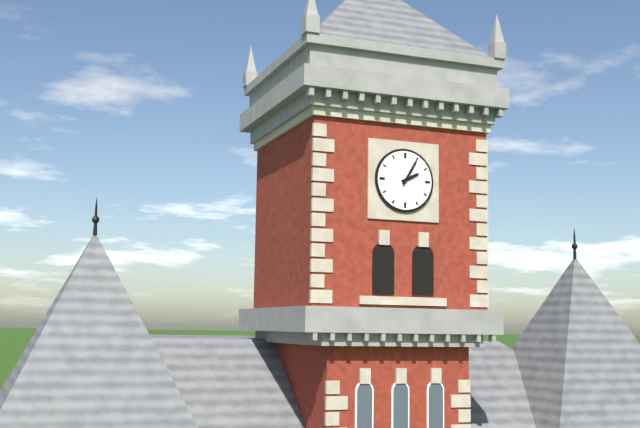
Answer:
2:05
